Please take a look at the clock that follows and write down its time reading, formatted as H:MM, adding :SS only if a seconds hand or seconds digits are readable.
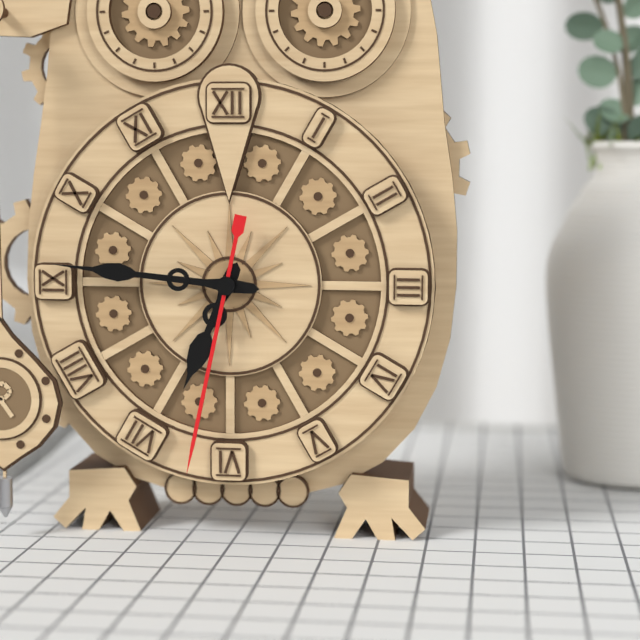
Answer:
6:46:32
